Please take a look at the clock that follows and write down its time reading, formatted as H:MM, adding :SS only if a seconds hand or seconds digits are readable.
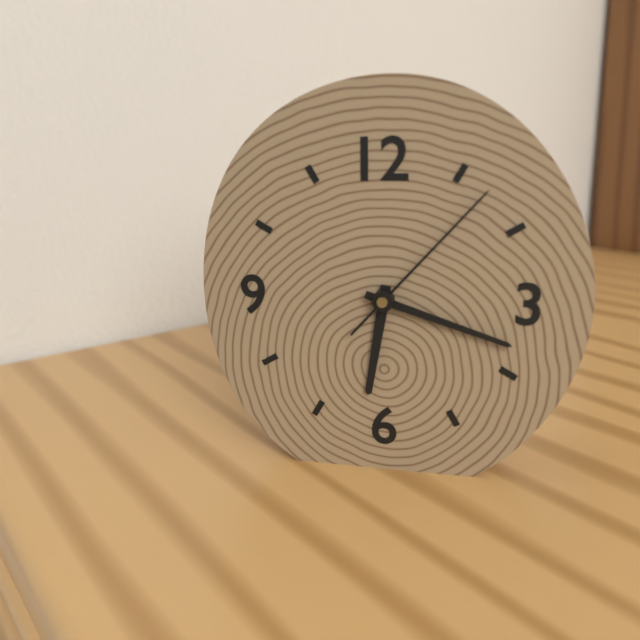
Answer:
6:18:07
